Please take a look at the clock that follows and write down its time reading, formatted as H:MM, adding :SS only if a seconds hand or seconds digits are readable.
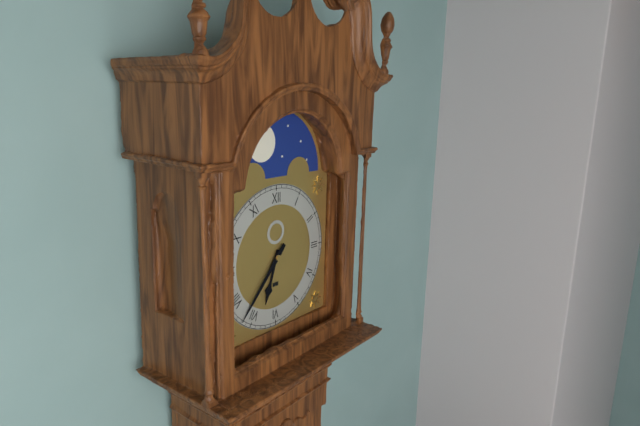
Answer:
6:37
